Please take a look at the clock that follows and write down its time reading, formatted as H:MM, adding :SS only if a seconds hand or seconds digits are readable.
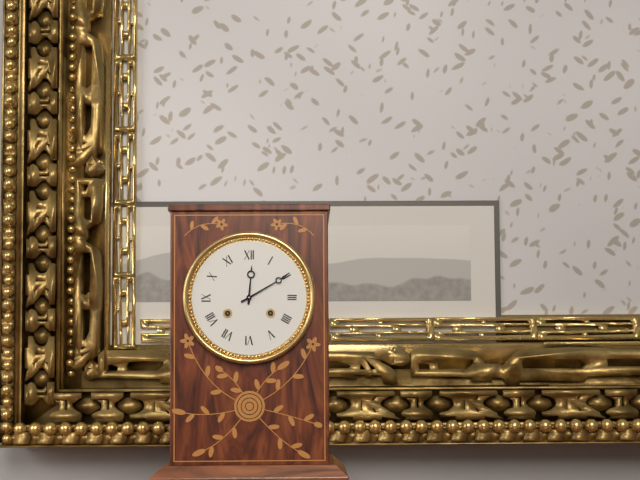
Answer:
12:10
